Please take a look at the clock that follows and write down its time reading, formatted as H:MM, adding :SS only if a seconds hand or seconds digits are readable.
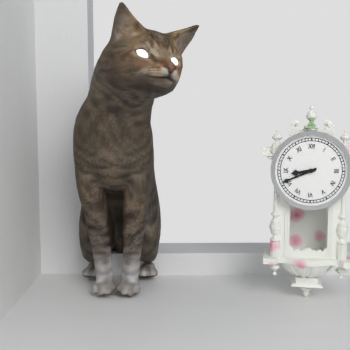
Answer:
8:41
